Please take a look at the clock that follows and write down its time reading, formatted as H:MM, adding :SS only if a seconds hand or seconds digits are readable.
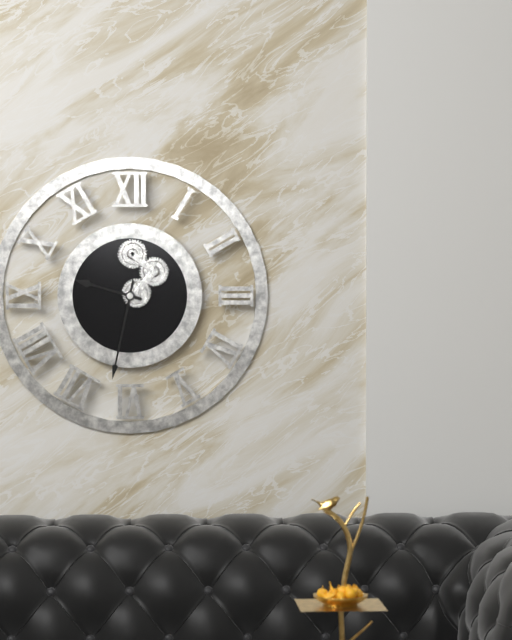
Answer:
9:32
